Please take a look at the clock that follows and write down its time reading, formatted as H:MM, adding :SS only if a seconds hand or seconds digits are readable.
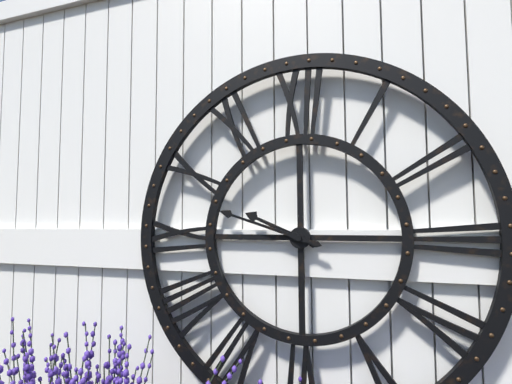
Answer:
9:48
